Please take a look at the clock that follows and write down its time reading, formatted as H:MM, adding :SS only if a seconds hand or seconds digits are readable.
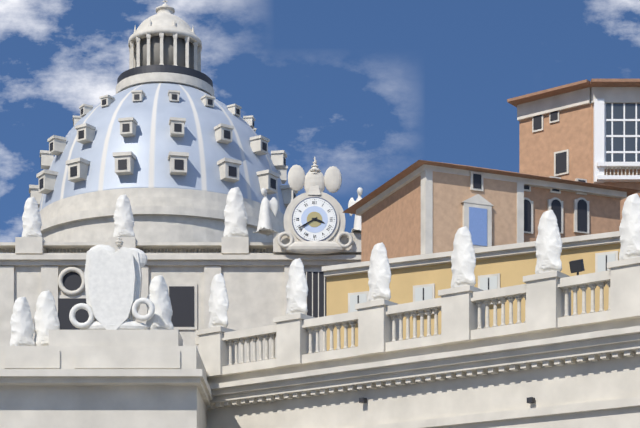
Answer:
3:40
